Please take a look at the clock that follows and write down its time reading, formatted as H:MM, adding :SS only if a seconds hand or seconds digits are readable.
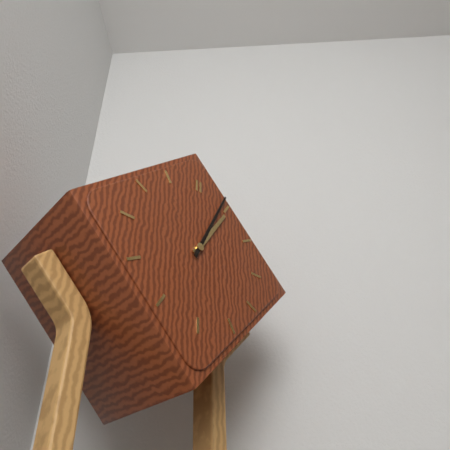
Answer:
1:04
